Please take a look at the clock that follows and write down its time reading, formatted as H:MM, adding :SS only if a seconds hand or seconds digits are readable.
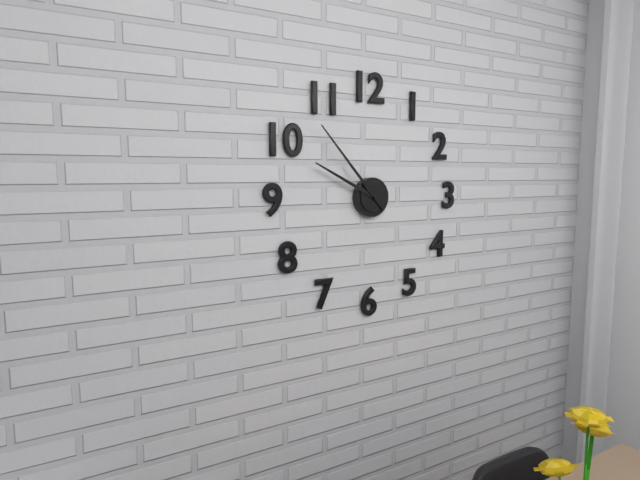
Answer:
9:53
